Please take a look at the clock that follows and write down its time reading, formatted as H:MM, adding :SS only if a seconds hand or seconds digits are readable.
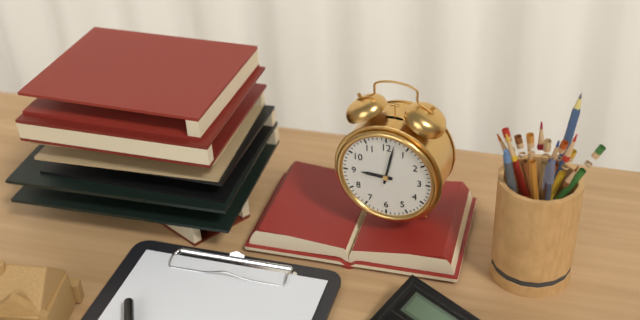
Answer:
9:02
